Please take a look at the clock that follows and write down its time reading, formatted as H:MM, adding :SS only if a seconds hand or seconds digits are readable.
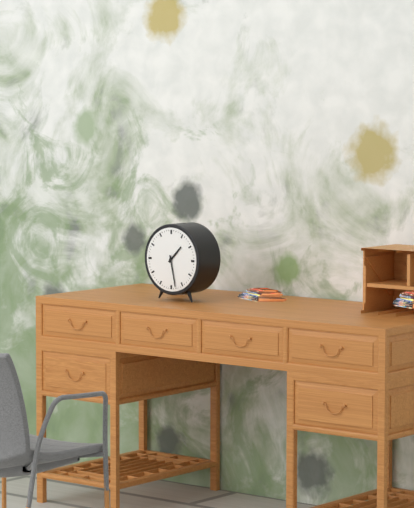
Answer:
1:28
